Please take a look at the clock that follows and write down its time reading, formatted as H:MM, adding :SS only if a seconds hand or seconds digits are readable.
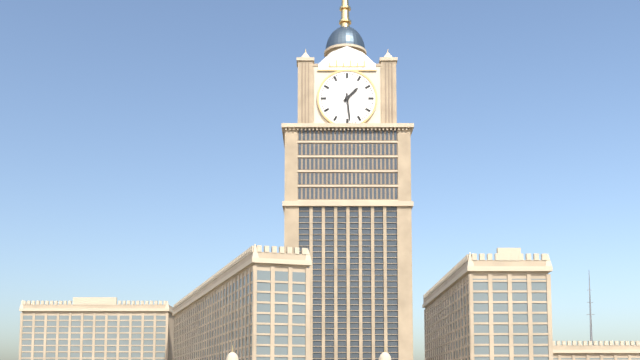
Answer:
1:29
